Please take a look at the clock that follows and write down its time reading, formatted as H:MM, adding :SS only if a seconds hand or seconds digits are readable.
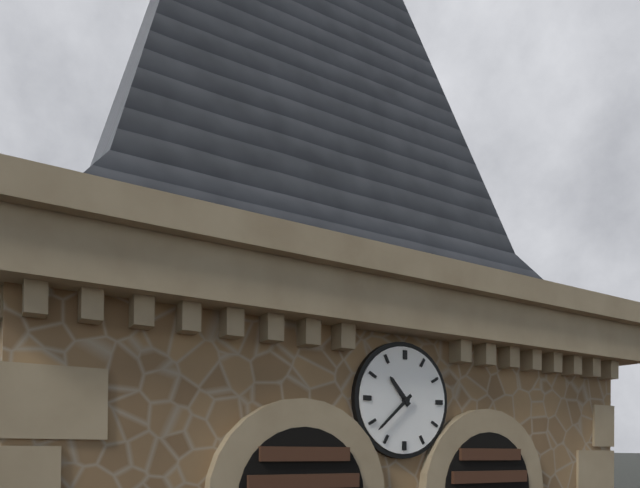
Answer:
10:38
